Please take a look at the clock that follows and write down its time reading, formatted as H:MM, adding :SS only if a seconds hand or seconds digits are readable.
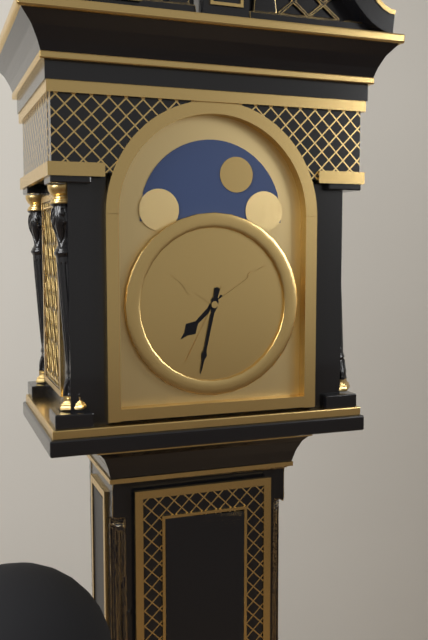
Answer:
7:32
